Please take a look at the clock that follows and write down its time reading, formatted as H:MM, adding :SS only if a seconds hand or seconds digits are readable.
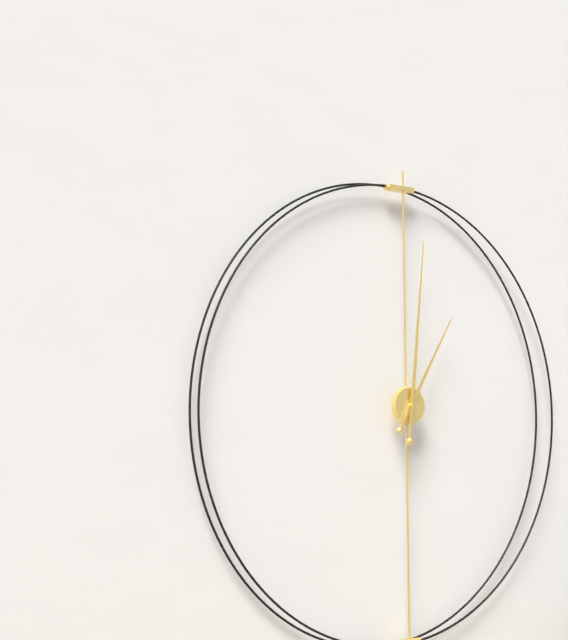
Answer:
1:01
